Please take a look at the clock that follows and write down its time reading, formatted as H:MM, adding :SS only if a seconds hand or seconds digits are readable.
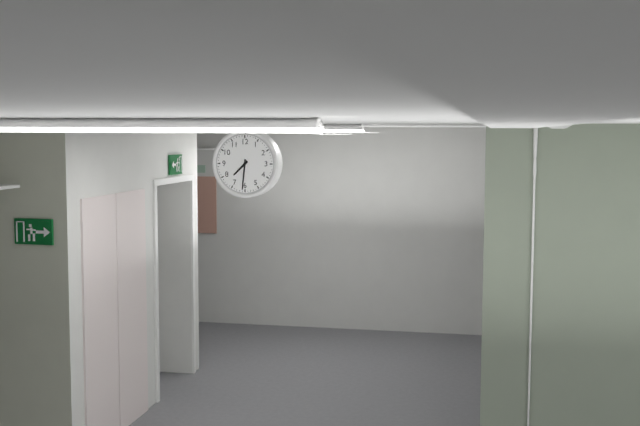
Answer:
7:31
